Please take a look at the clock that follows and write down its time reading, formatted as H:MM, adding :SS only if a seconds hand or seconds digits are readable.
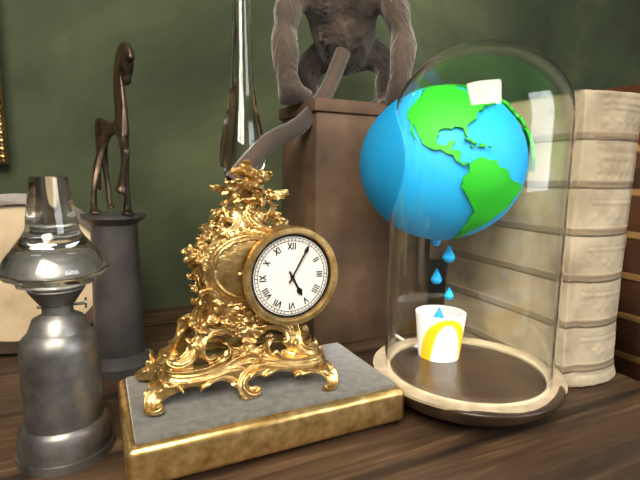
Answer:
5:05
